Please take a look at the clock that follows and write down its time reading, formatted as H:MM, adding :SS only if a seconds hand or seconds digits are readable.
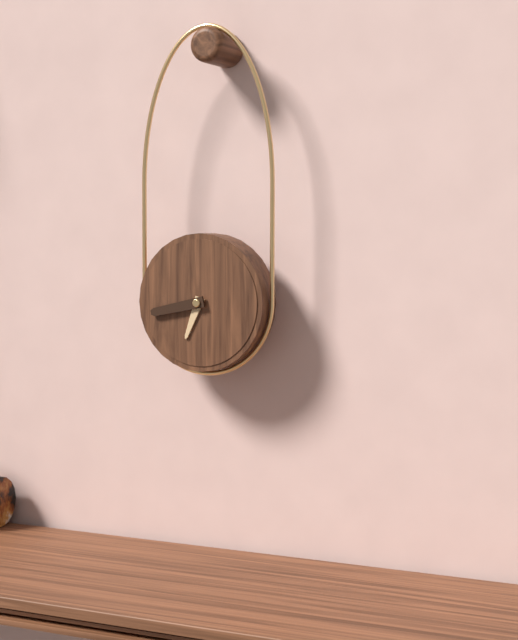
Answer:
6:43
